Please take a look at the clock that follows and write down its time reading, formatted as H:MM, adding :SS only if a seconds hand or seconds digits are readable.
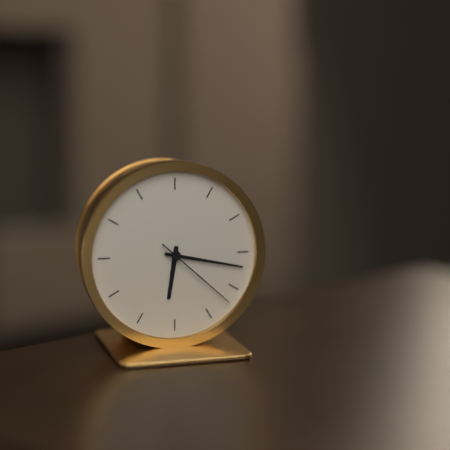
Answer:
6:17:22
